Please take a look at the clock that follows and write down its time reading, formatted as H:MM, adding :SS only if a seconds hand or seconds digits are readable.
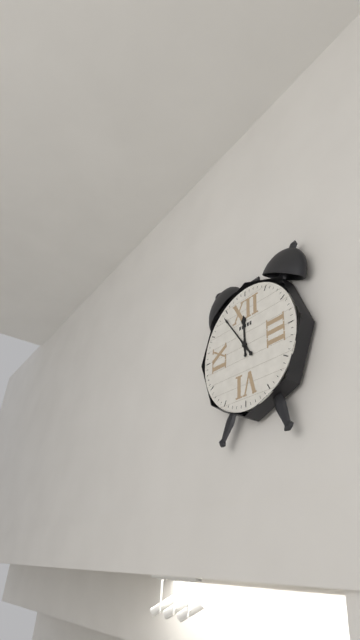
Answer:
11:54
